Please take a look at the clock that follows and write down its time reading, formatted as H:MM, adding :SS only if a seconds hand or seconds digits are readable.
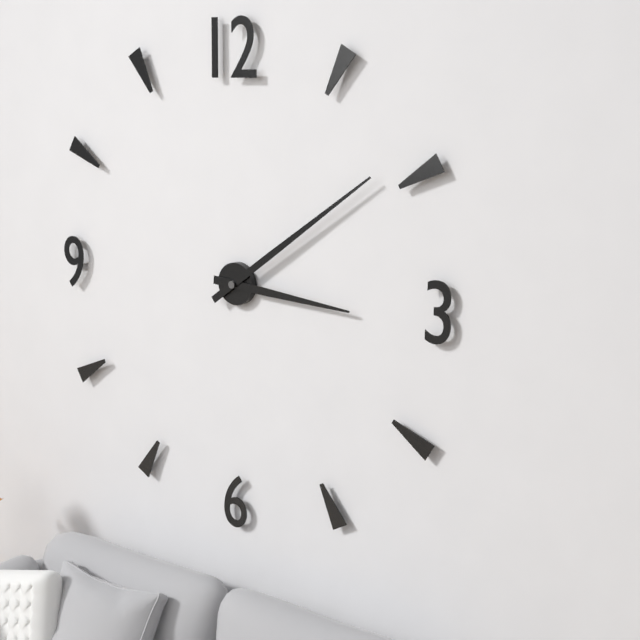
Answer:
3:09
